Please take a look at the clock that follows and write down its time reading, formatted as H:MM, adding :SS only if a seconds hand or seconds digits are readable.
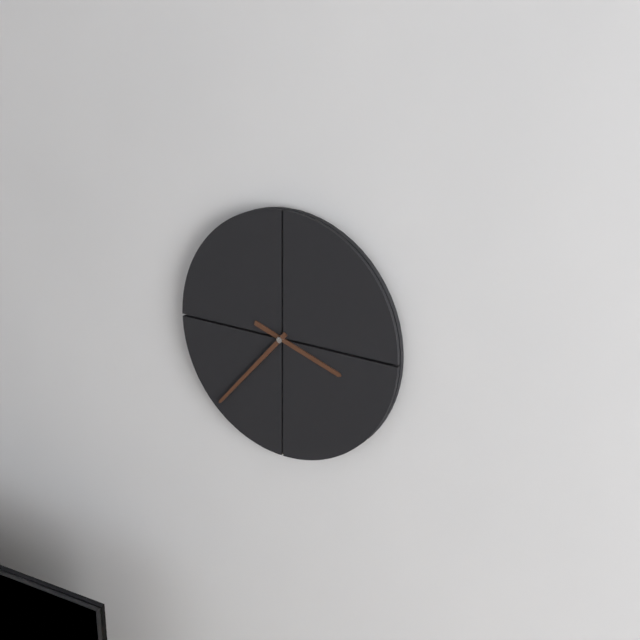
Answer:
3:37
